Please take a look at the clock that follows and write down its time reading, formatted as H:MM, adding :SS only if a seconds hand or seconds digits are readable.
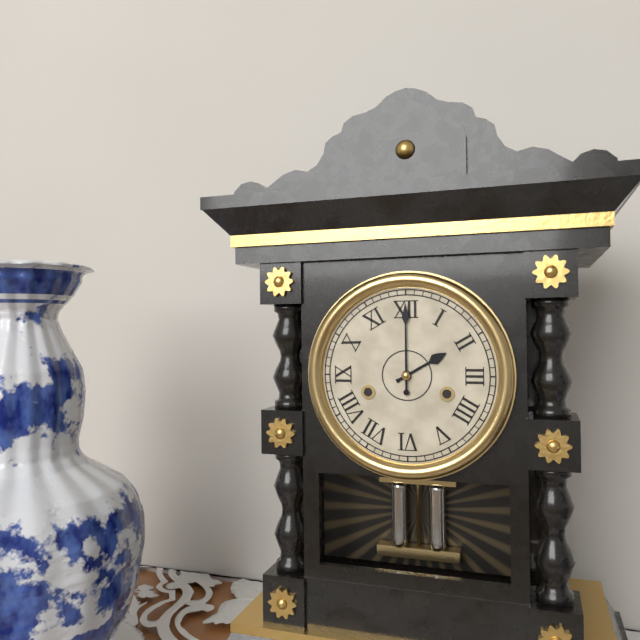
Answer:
2:00
